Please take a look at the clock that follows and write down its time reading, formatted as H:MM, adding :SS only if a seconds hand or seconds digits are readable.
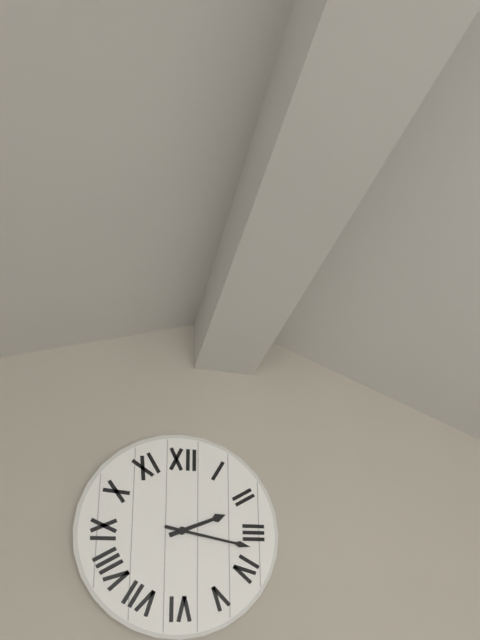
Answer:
2:17
